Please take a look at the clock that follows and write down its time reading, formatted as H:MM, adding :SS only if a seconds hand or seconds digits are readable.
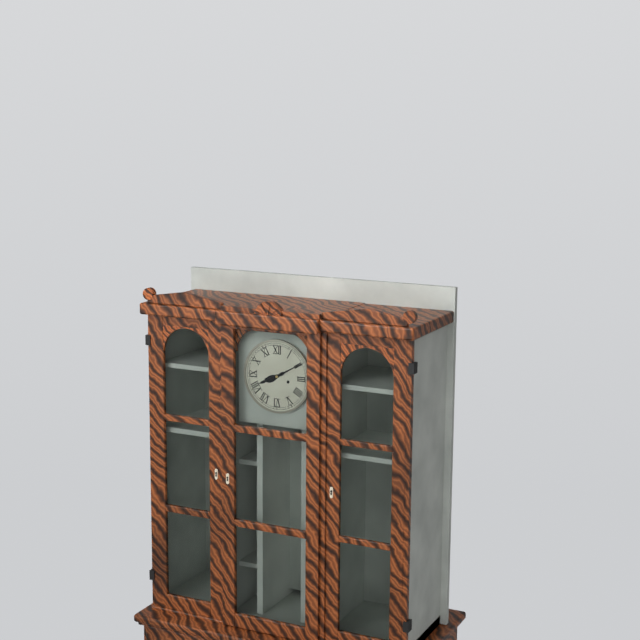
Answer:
8:10
